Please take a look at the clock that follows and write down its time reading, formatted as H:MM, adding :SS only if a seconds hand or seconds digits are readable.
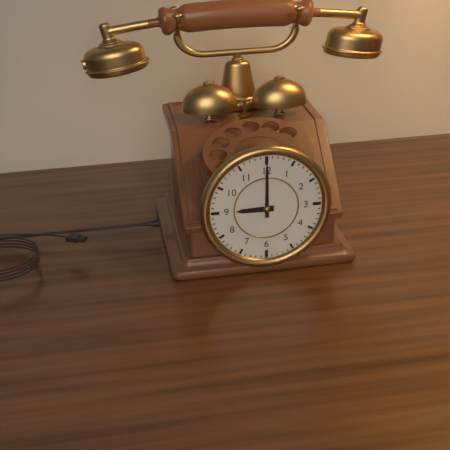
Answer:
9:00
